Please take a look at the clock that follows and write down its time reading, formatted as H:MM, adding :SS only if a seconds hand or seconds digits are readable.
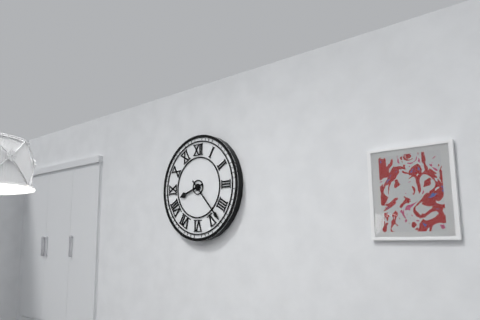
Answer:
8:23
